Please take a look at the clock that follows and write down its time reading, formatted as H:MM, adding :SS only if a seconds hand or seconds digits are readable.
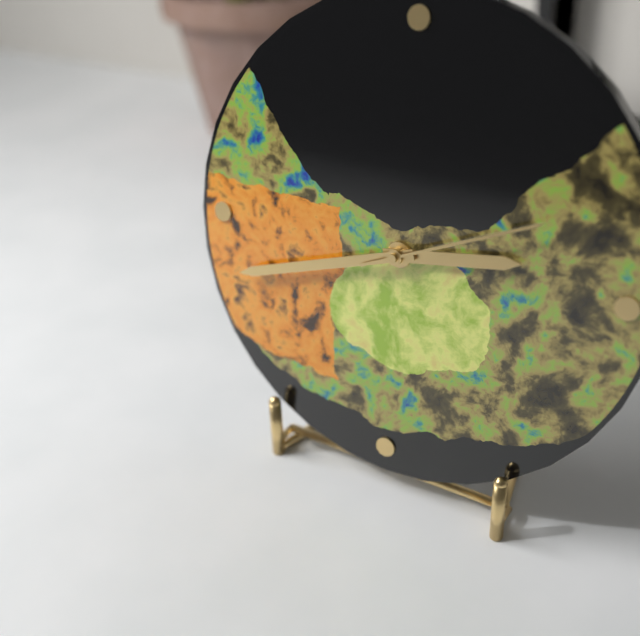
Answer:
2:42:11
